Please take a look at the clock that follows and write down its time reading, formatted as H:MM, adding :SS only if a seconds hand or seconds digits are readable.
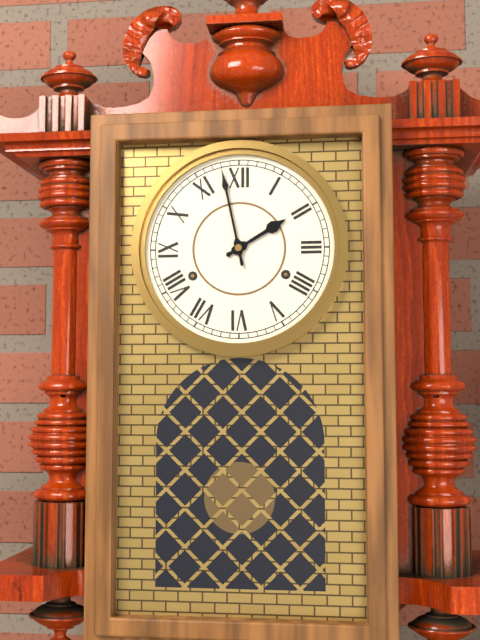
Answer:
1:58
